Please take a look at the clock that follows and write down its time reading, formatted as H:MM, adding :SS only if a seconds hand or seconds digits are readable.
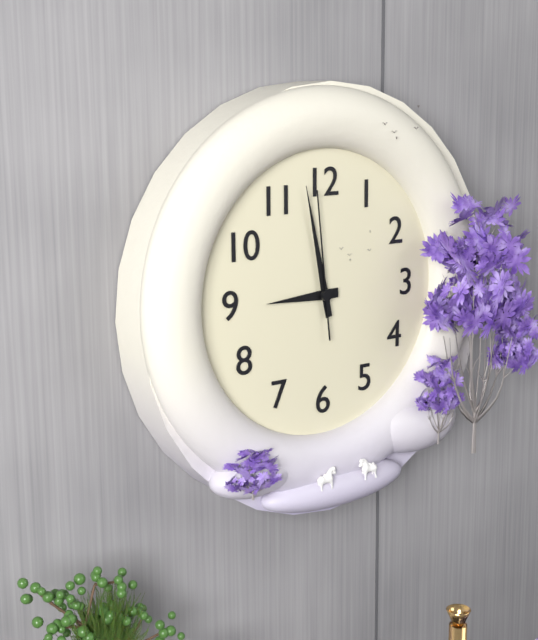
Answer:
8:58:59
